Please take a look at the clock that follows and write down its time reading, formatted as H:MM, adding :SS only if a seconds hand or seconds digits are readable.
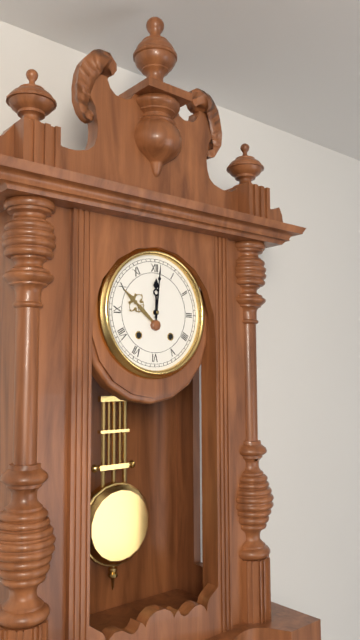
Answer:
12:01
